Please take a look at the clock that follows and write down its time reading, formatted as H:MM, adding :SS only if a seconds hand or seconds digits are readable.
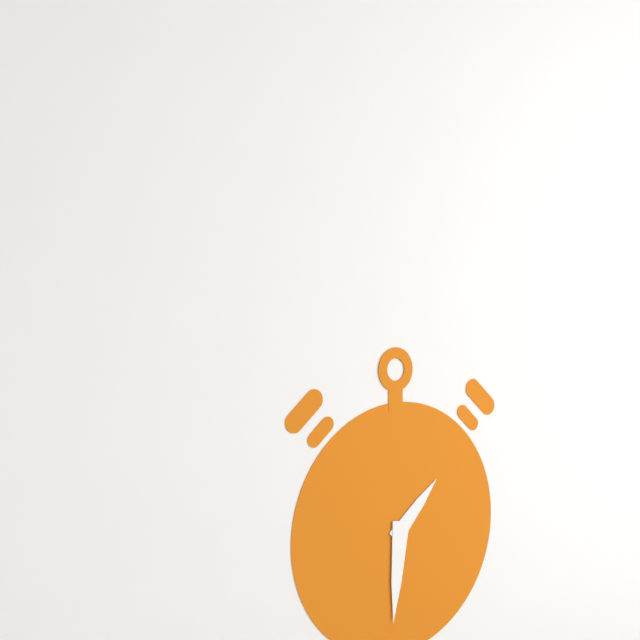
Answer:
1:31
